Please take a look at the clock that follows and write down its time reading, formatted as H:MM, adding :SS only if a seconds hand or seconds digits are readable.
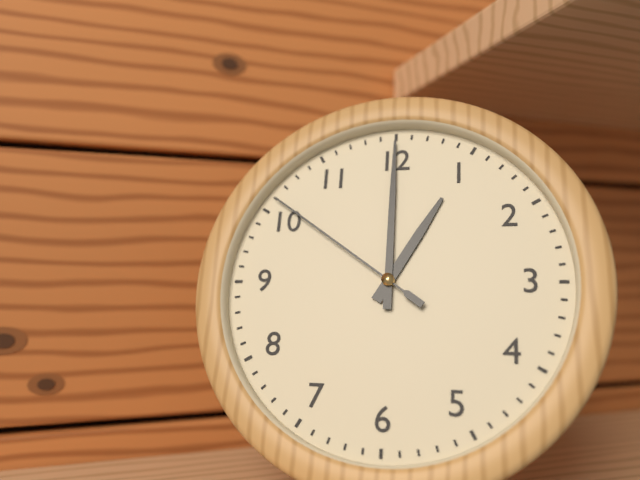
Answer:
1:00:51
